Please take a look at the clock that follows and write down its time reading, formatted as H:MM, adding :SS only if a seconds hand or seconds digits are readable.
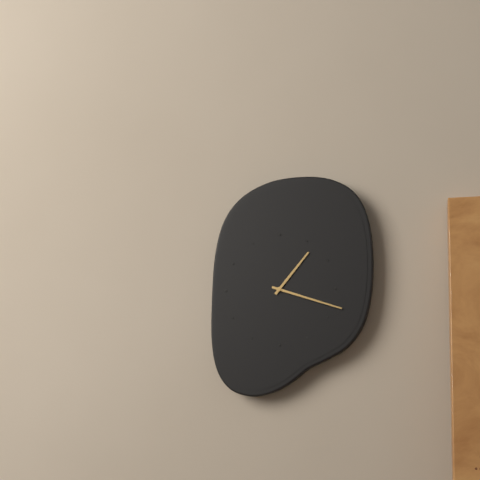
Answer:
1:18
